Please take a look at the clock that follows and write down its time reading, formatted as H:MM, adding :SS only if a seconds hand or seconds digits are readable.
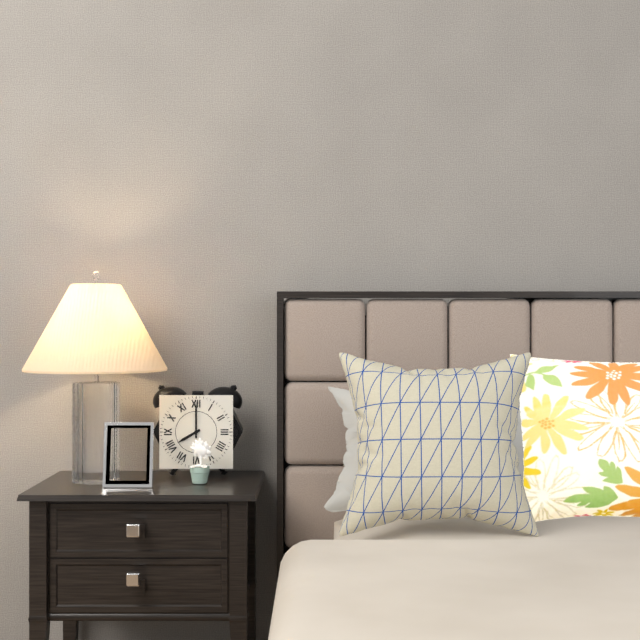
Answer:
8:00
